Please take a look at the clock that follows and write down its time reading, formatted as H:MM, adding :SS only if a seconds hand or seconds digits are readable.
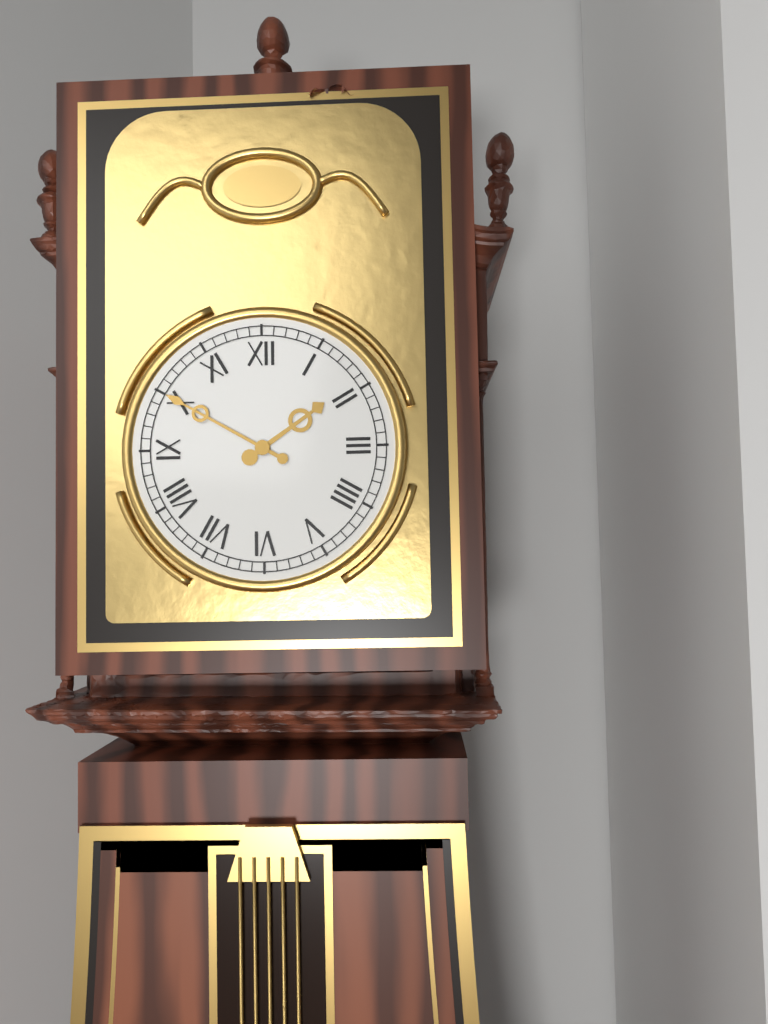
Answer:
1:50
